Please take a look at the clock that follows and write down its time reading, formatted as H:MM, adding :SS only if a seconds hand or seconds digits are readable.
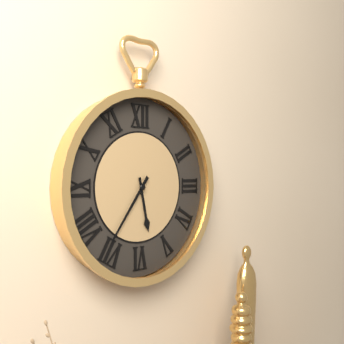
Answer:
5:36
